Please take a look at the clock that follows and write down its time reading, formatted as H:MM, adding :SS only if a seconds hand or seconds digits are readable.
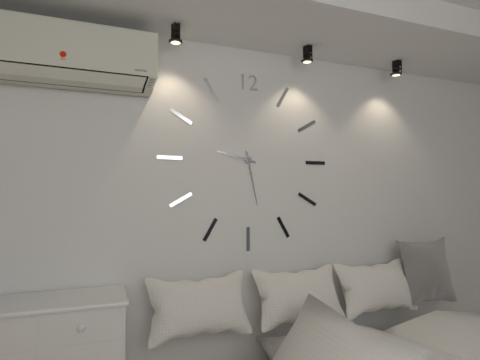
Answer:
9:28
